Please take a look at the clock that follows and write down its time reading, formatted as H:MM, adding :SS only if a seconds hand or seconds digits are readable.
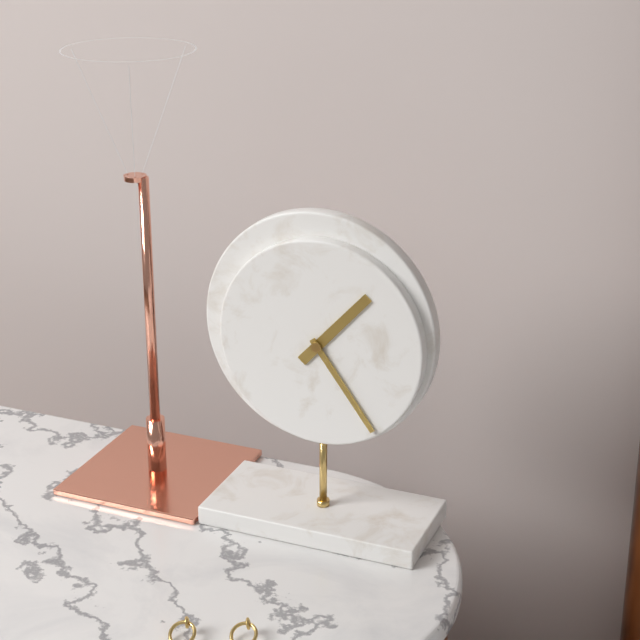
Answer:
1:24
